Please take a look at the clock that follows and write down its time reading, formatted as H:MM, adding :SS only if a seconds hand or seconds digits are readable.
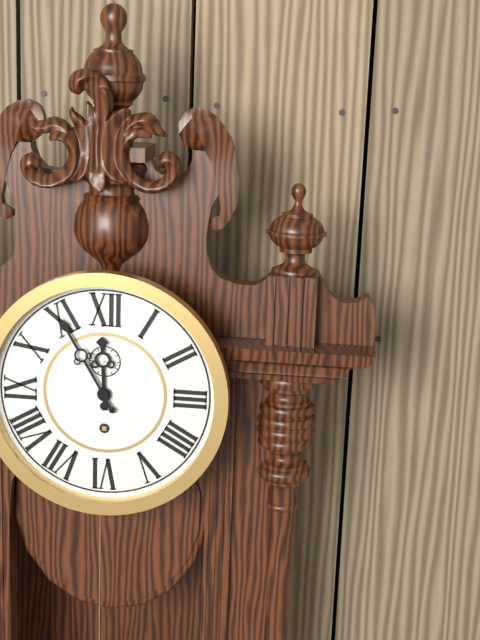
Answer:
11:55
